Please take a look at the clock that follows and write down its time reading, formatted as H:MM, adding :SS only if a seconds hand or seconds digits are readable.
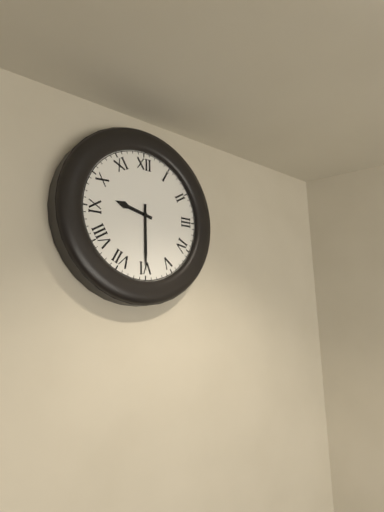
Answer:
9:30
